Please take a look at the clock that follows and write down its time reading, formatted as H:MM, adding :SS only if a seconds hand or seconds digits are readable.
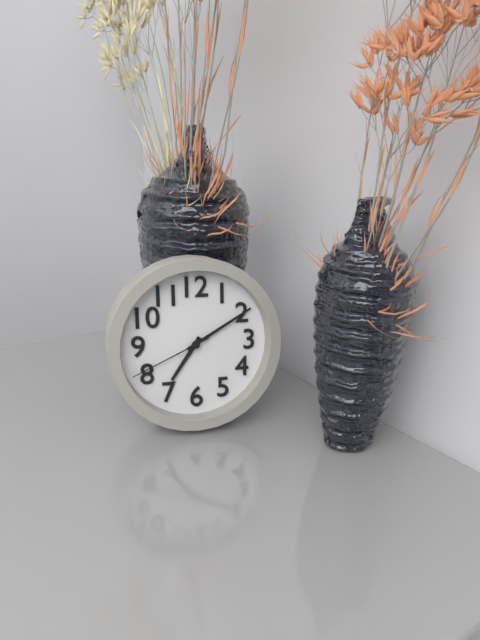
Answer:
7:10:41
